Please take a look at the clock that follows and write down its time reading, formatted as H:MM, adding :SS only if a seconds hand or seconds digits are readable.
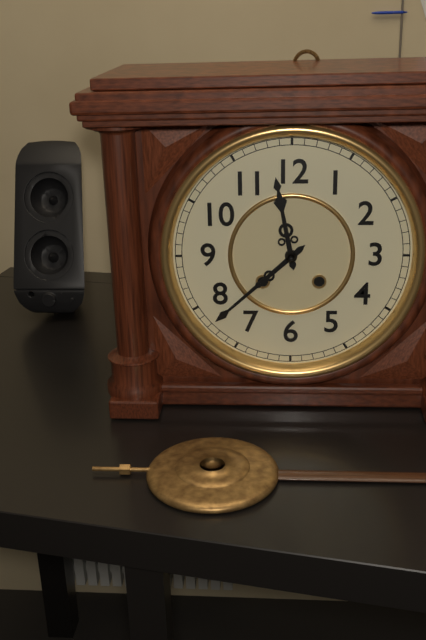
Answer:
11:38
